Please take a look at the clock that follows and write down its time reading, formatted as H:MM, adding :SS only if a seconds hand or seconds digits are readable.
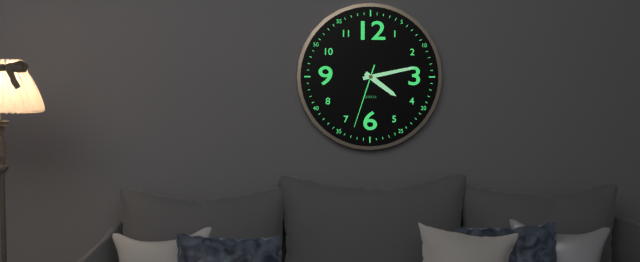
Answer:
4:13:33
